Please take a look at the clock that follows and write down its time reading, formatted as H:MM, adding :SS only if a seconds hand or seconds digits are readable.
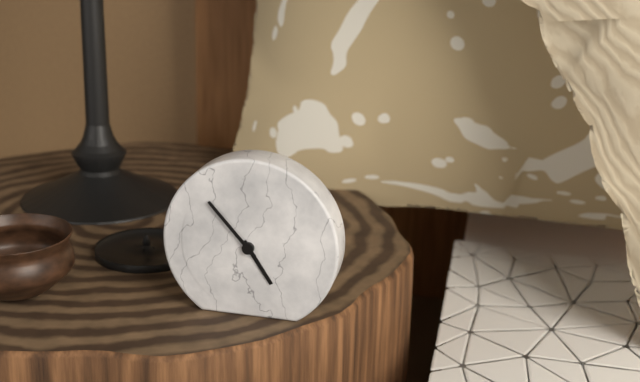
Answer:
4:53
